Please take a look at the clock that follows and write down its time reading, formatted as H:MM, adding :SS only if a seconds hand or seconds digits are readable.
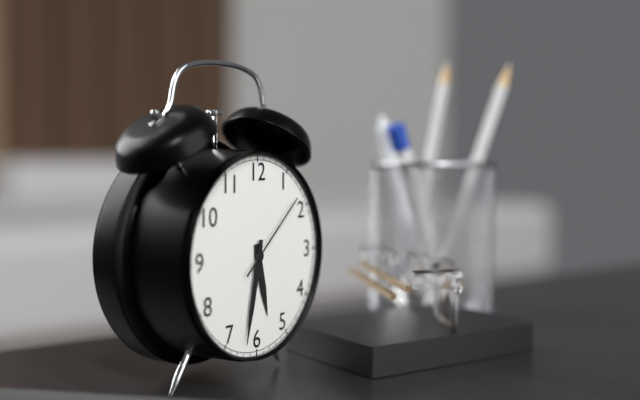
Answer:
5:32:08
